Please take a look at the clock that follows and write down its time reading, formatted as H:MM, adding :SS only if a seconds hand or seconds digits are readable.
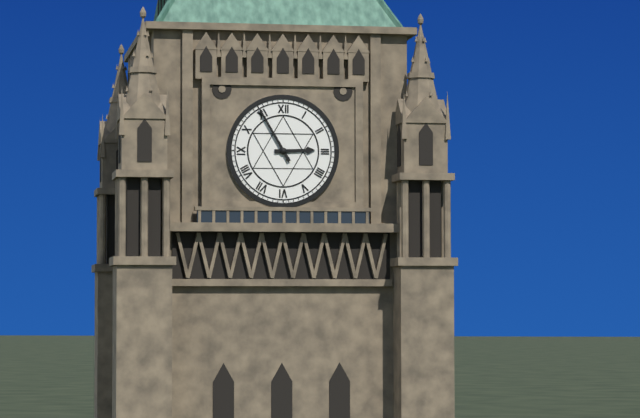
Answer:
2:55
